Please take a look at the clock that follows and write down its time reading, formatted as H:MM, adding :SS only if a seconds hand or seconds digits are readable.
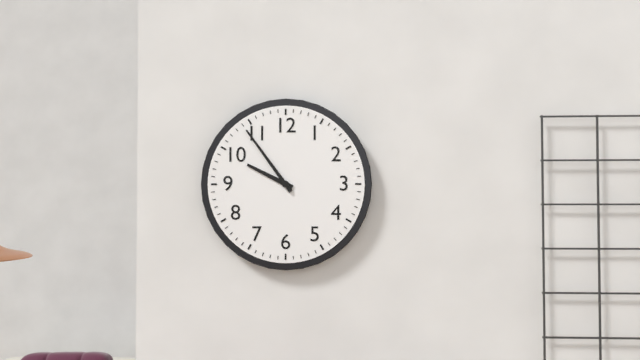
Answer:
9:54
